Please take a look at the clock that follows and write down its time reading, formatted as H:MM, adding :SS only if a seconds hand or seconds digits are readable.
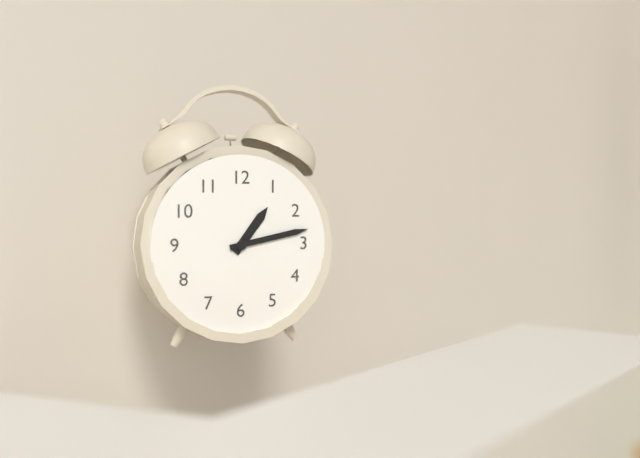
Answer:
1:13
